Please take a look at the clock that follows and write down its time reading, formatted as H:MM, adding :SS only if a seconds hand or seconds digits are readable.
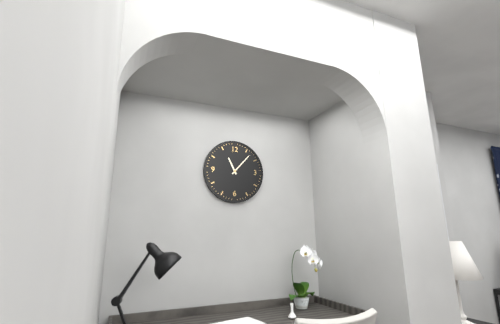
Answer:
11:07
